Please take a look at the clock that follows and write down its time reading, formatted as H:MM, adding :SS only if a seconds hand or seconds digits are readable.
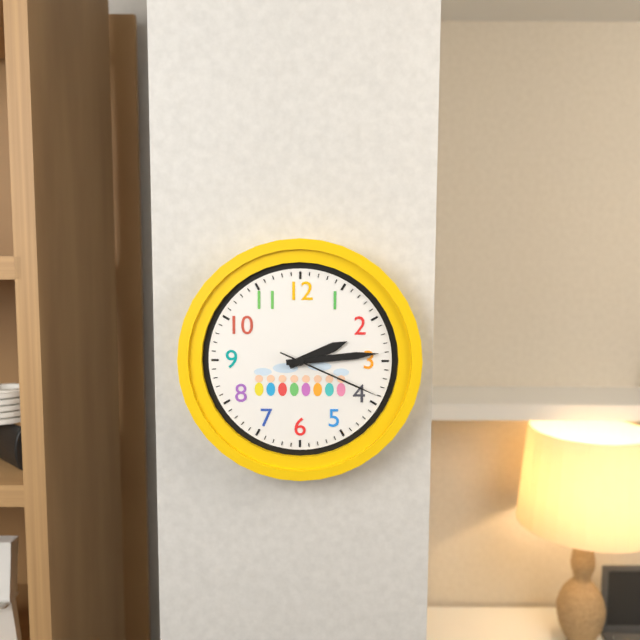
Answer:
2:14:19
